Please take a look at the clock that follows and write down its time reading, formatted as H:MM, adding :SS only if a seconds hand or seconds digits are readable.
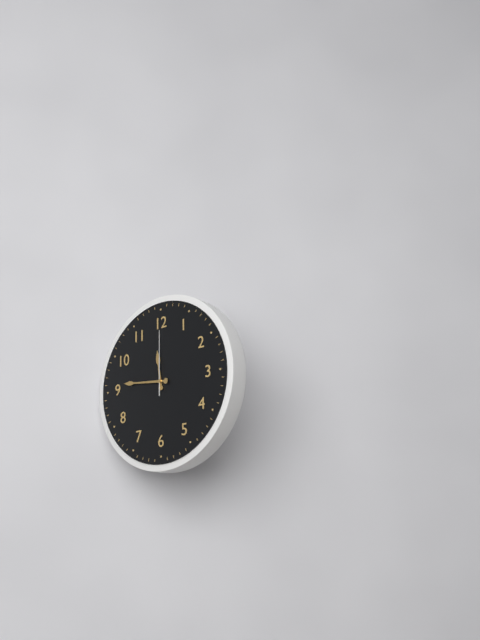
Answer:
11:46:00
